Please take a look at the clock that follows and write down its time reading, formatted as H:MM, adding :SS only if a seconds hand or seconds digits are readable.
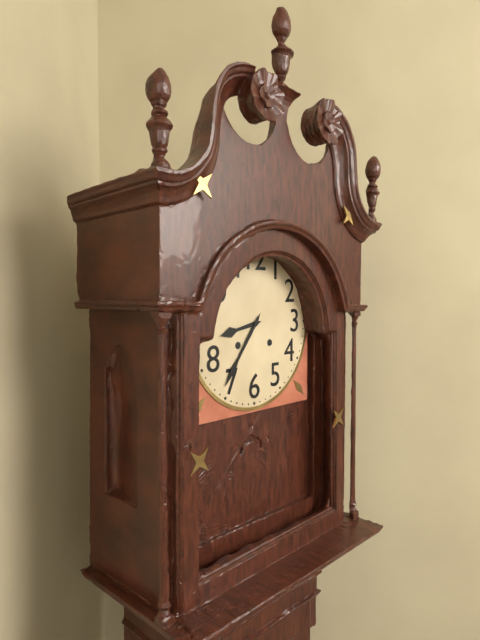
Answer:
8:36
